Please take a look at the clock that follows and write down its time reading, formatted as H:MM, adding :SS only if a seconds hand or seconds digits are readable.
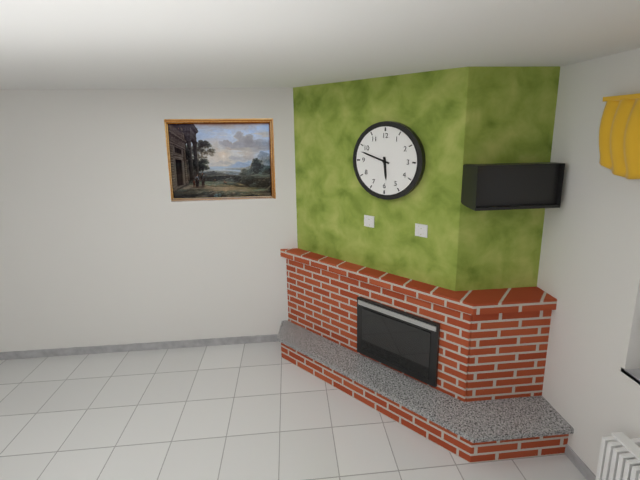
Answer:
5:48
